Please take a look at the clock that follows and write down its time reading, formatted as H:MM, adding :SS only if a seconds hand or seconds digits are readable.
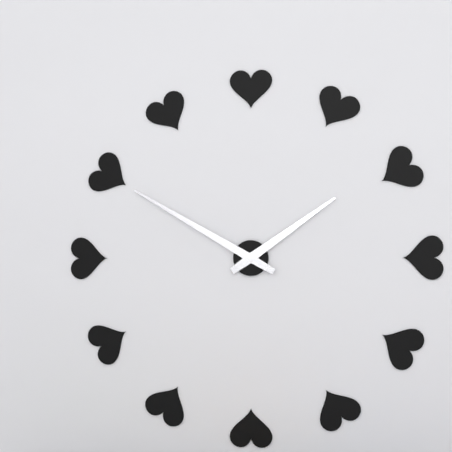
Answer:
1:50
